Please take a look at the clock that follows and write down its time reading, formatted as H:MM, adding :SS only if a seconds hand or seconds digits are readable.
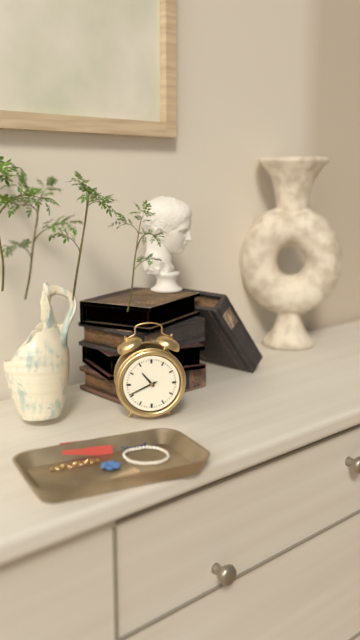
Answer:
10:41
